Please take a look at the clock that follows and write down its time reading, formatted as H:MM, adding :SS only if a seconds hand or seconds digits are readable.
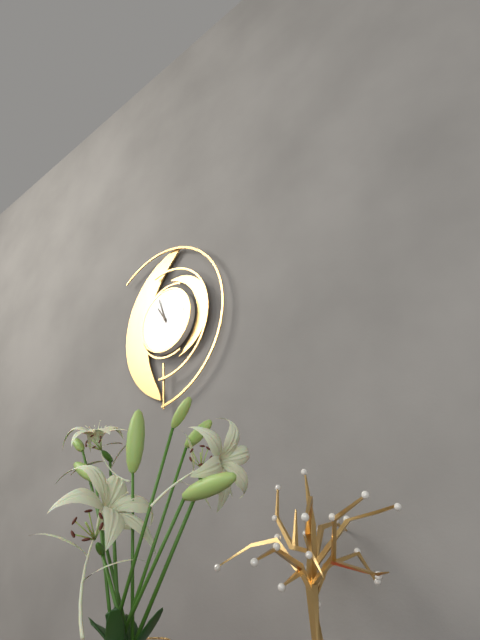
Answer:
10:57
